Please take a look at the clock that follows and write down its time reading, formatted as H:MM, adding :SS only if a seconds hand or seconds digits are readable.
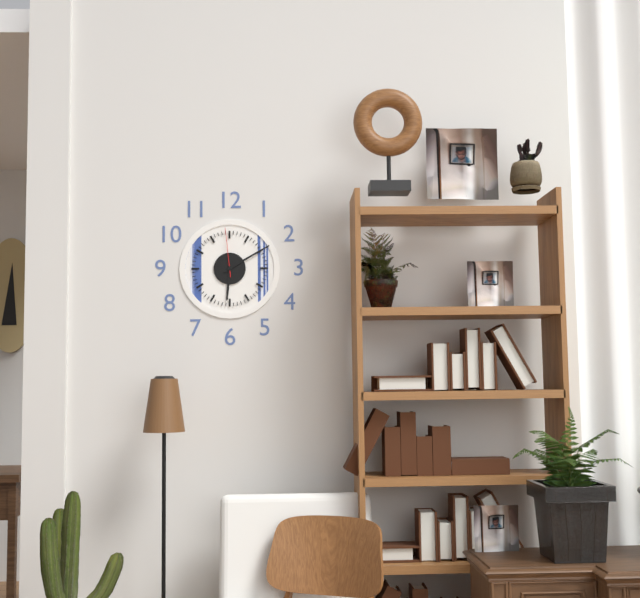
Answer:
6:10:59
